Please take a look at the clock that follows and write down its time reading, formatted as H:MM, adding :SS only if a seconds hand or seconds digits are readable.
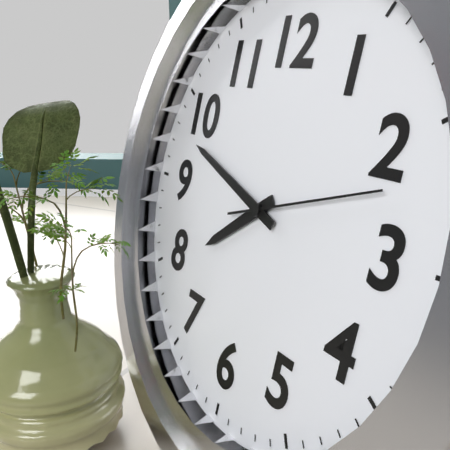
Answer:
7:48:12
